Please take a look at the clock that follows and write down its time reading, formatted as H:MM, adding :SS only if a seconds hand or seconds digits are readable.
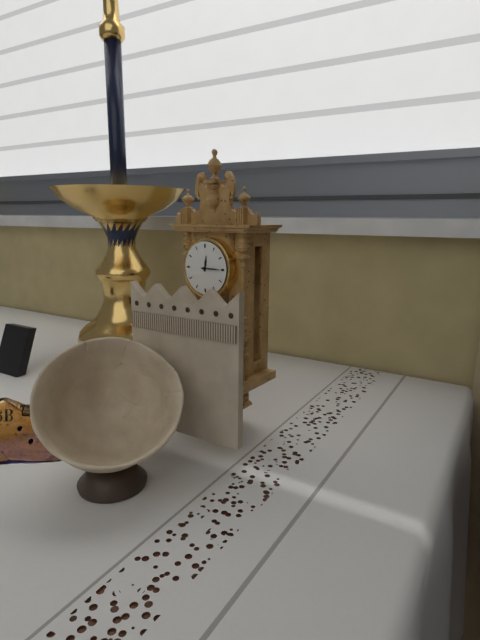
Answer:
12:15
